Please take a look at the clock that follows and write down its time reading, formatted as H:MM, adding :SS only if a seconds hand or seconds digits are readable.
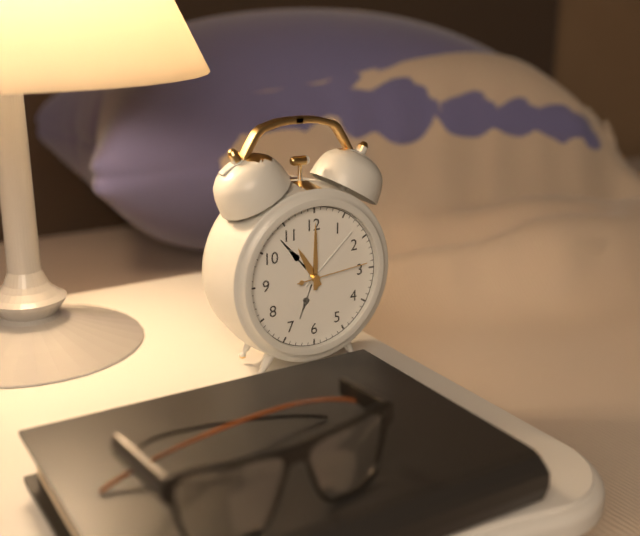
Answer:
11:00:14
